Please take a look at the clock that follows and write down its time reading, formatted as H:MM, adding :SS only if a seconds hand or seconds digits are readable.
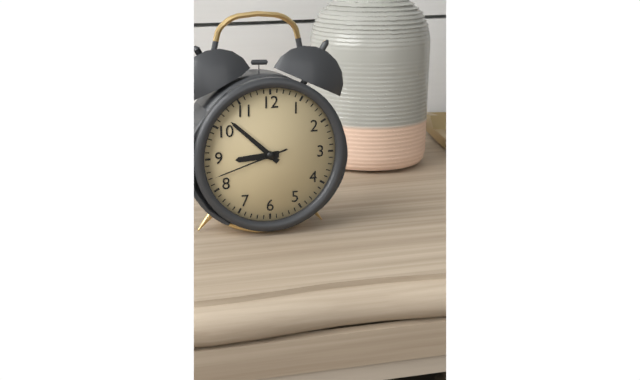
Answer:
8:52:42
